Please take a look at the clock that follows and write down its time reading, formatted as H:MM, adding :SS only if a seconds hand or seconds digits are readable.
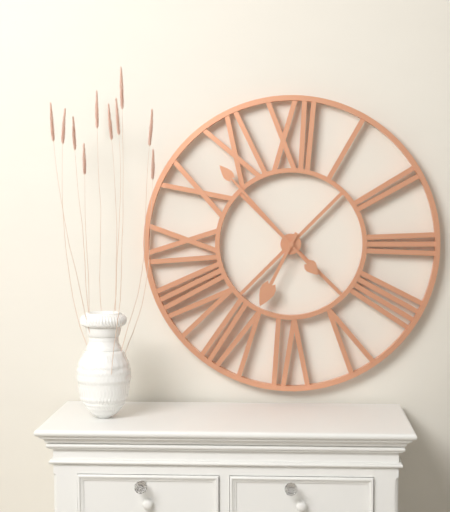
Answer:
6:53
